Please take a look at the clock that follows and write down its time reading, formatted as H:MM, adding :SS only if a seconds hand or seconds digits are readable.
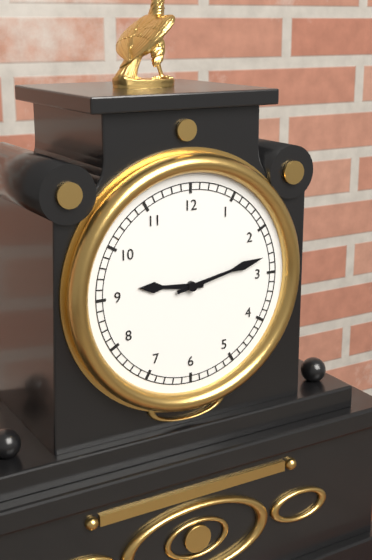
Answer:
9:13
